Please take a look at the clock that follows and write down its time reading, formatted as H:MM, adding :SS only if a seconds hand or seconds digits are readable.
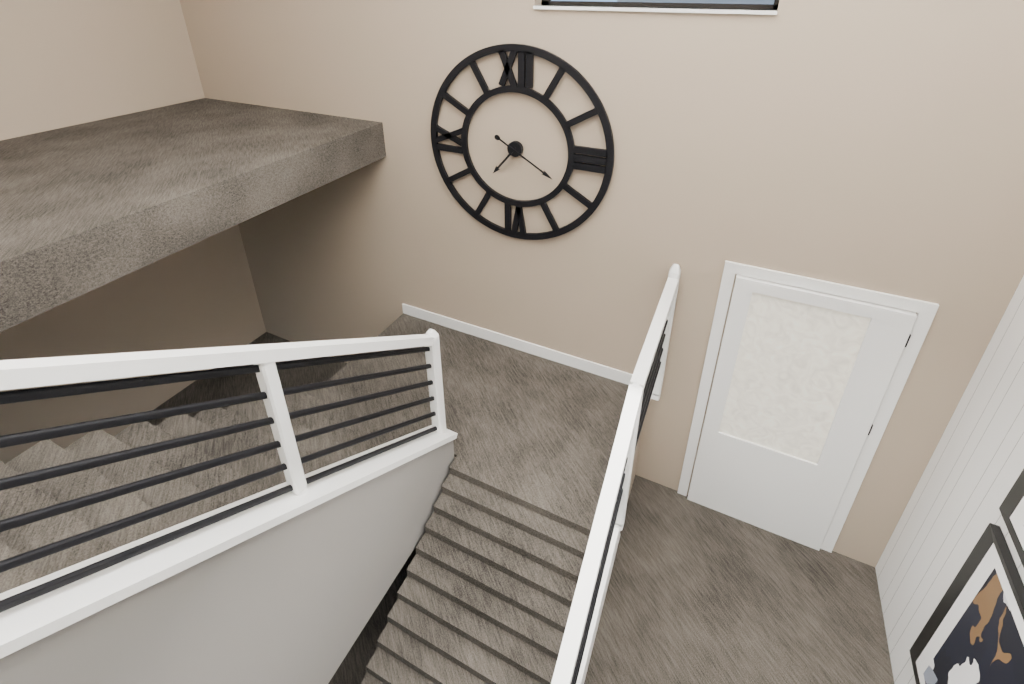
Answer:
7:20
